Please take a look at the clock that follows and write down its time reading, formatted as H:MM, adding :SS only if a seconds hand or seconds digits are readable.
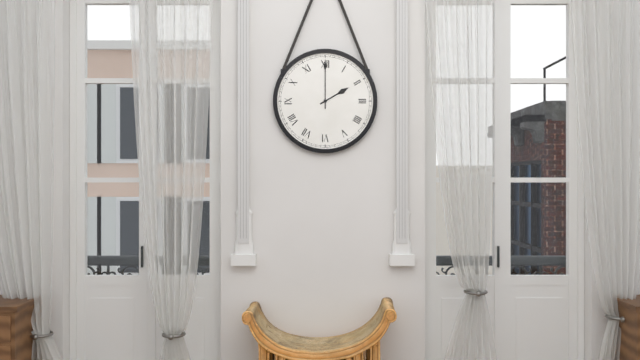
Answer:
2:00
